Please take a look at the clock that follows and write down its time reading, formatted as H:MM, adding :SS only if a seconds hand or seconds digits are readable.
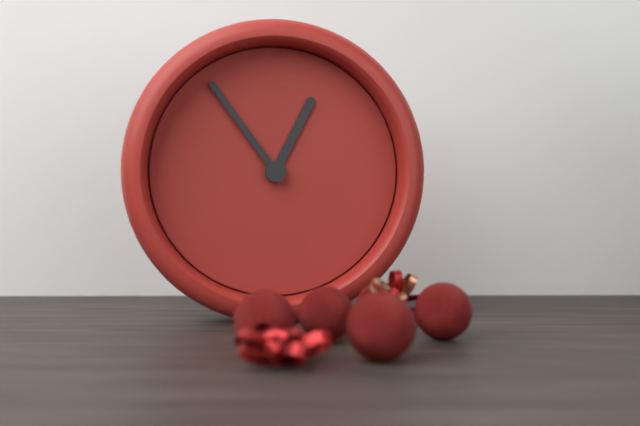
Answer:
12:54
